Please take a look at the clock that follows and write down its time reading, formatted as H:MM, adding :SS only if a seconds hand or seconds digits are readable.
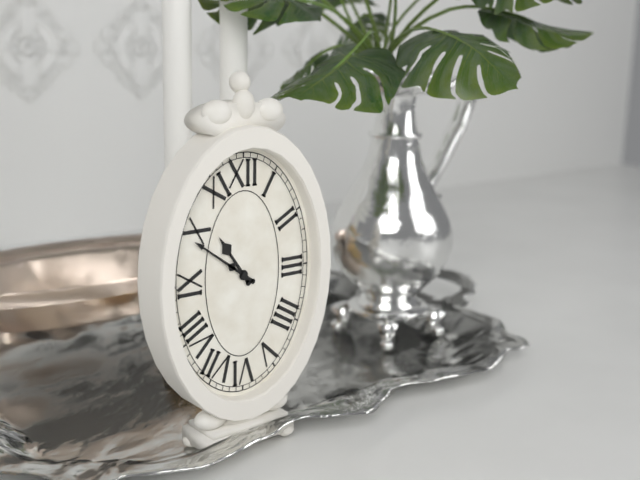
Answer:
10:51
